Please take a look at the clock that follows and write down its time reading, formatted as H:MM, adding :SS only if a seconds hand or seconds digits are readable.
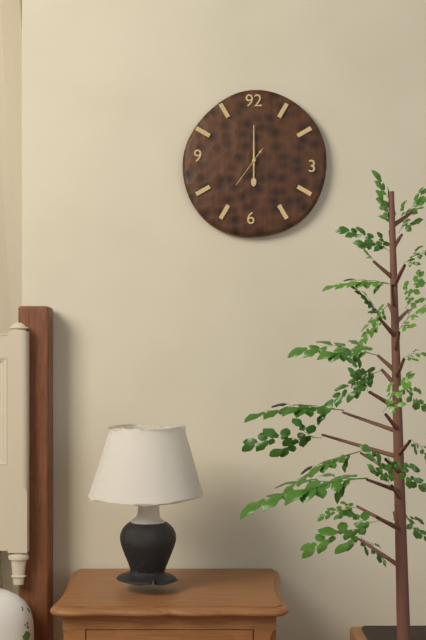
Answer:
6:00
